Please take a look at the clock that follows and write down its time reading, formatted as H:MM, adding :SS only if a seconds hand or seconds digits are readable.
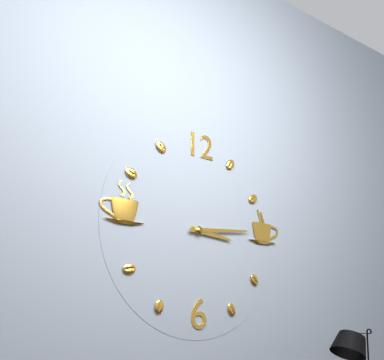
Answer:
3:14
